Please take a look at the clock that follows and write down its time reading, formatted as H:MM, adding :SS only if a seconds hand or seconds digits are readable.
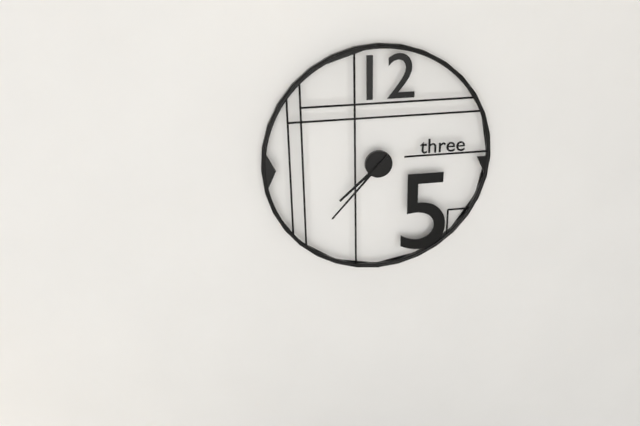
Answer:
7:37
